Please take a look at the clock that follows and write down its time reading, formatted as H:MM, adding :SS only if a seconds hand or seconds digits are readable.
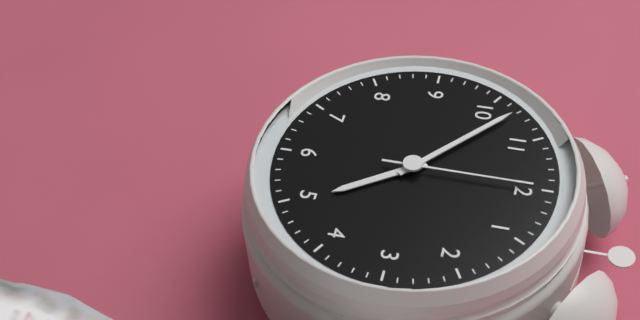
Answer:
4:52:00
